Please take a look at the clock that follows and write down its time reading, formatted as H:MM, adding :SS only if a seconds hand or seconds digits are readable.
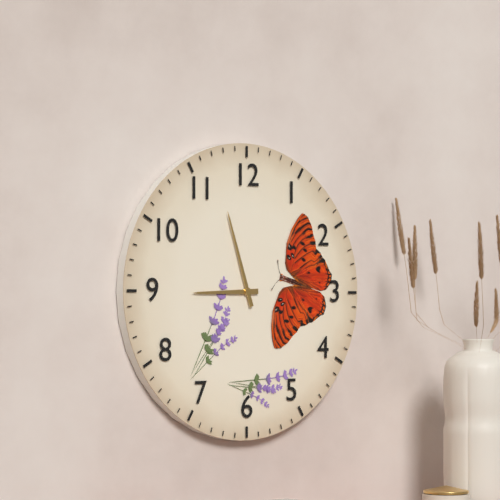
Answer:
8:57
